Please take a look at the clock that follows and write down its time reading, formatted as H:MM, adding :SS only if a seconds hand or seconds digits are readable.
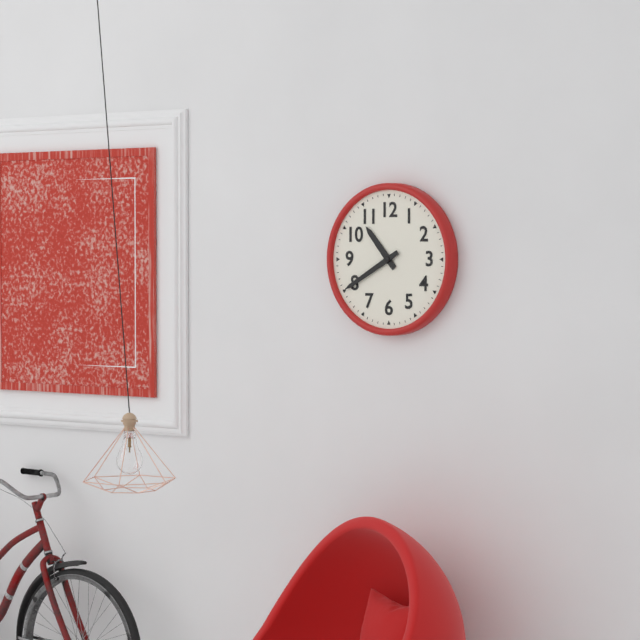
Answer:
10:40
